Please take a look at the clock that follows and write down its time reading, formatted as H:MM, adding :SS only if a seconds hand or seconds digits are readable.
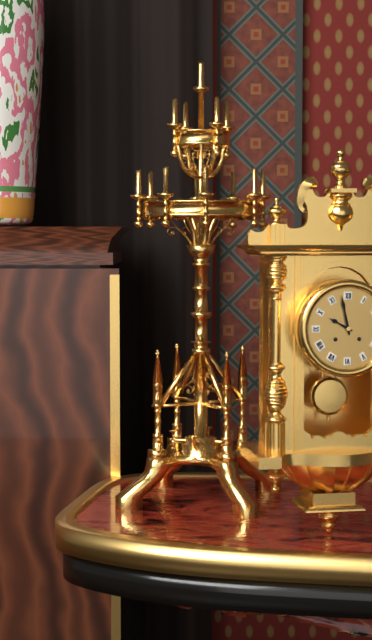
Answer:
9:58
